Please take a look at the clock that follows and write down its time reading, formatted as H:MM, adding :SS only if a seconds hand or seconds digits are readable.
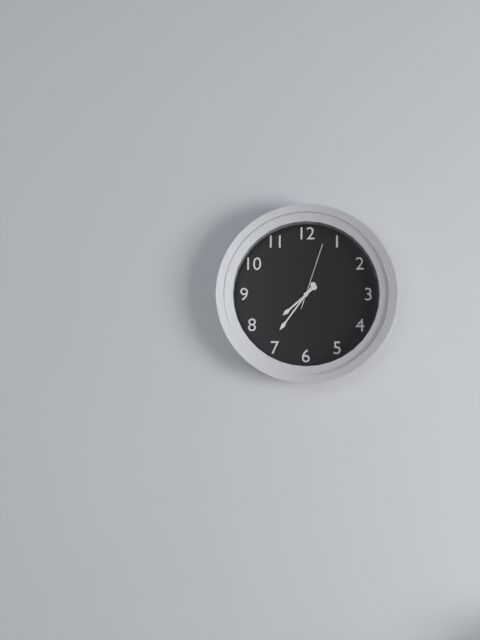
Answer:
7:36:03
